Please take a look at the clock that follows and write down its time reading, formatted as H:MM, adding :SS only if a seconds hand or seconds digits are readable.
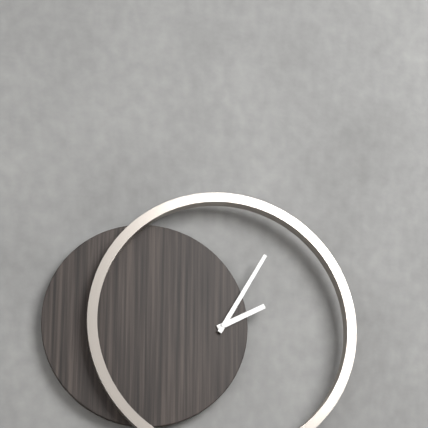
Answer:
2:05
